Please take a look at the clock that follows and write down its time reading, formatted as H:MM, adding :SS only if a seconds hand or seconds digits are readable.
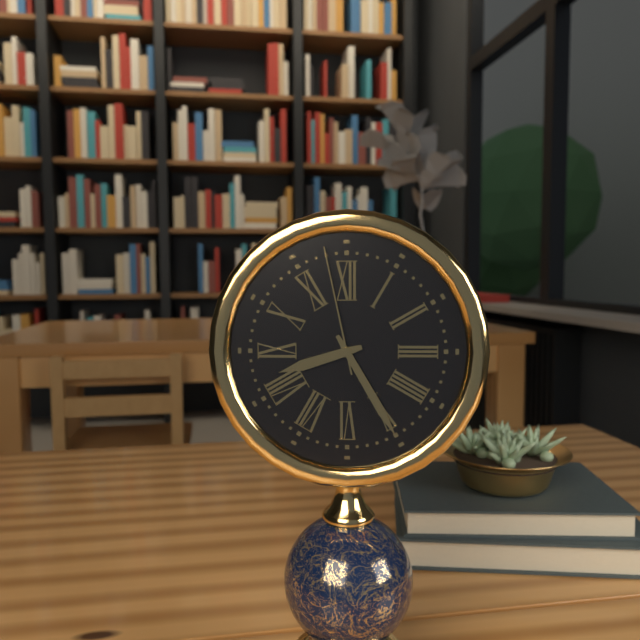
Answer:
8:25:58
